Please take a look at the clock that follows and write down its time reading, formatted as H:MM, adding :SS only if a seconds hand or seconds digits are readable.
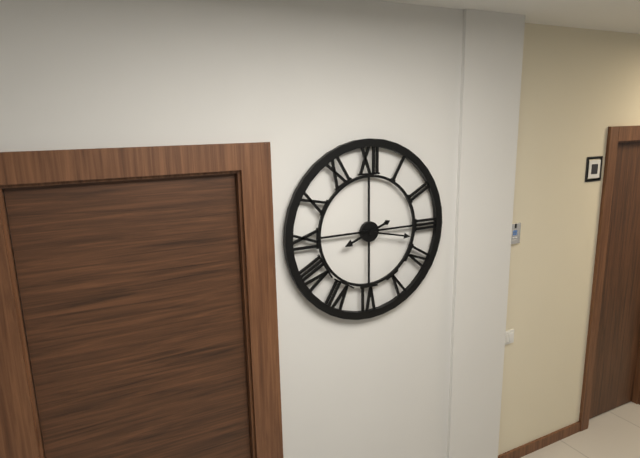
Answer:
8:17
